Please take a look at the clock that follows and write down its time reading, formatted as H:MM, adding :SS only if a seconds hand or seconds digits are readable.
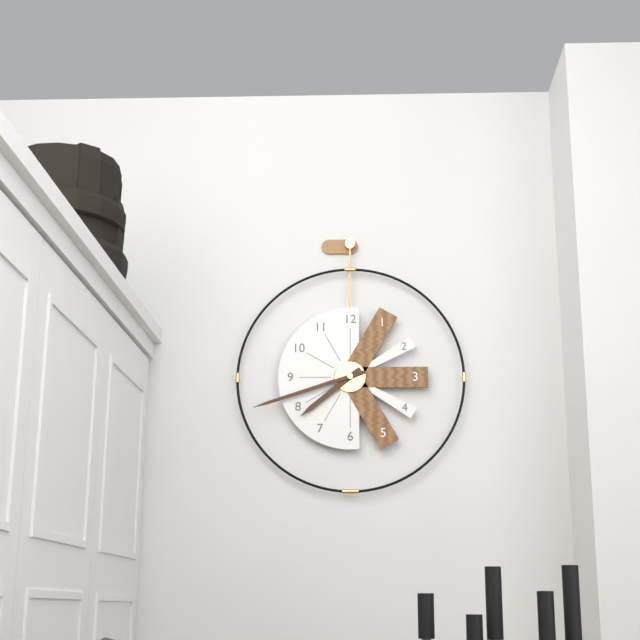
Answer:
7:42
